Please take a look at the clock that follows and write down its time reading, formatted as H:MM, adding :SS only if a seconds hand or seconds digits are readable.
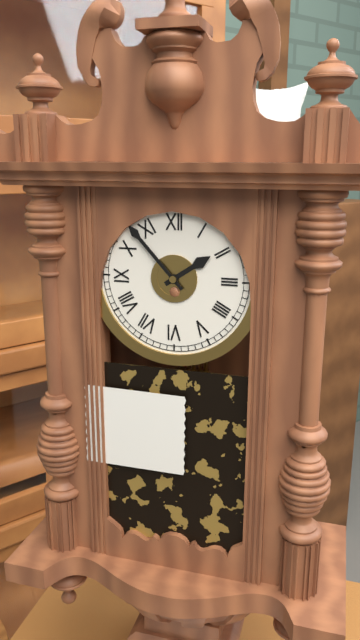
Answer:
1:53
